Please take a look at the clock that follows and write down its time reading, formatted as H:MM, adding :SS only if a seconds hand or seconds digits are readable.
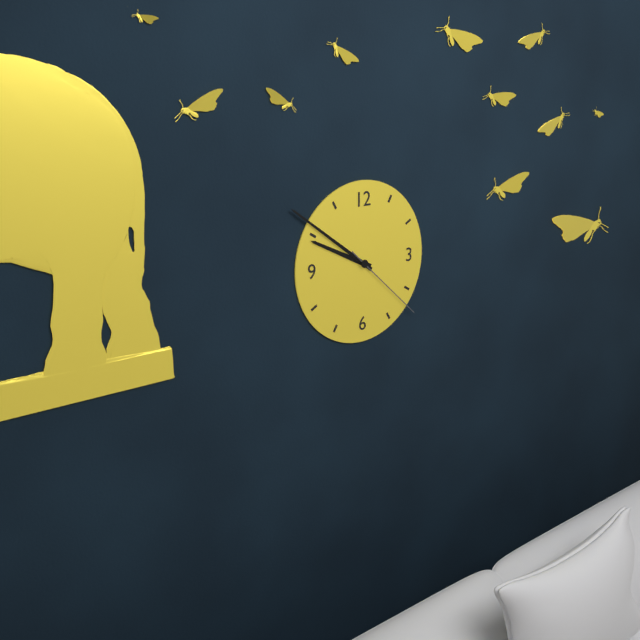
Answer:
9:51:22
